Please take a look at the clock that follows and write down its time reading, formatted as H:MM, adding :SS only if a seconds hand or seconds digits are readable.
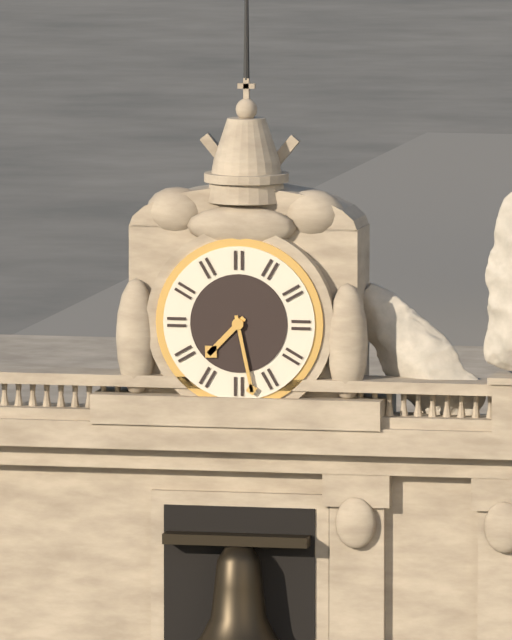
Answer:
7:28
